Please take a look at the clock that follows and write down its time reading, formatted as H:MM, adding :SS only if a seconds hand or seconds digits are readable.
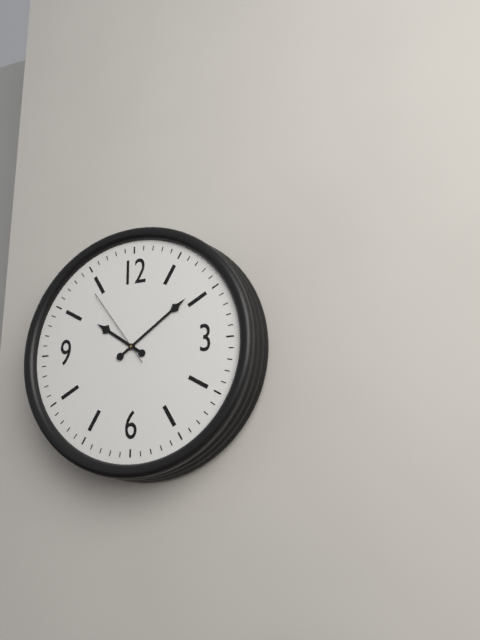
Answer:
10:09:54
